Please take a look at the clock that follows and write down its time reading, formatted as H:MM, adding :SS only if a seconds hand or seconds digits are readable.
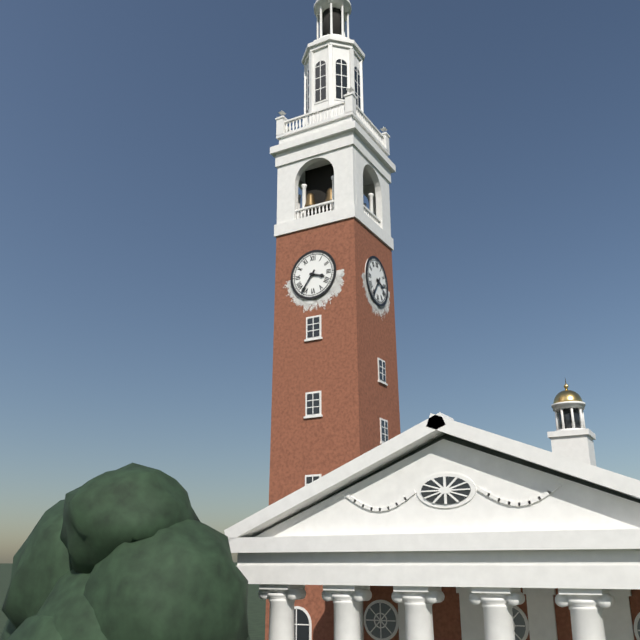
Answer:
3:36
